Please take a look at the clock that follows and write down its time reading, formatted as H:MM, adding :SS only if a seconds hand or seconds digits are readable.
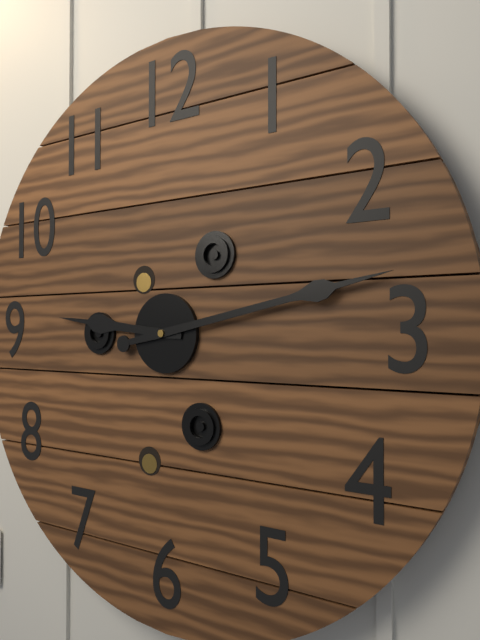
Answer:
9:13
